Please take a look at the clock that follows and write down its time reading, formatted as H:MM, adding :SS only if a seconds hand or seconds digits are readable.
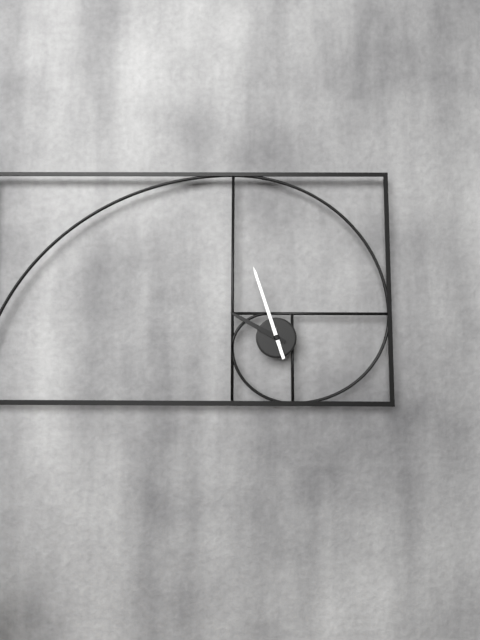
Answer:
9:57
